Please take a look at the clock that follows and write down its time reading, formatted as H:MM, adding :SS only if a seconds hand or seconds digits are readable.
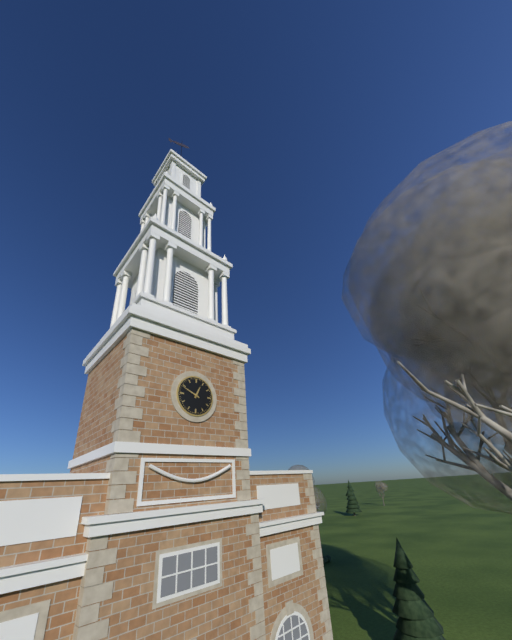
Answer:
12:49
